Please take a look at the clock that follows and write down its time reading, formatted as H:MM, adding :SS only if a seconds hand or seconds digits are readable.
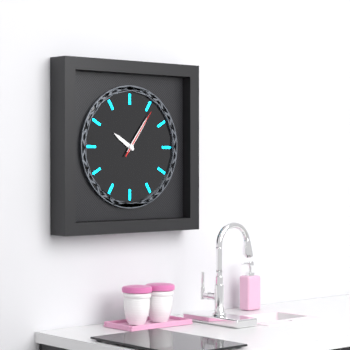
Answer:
10:06:06
